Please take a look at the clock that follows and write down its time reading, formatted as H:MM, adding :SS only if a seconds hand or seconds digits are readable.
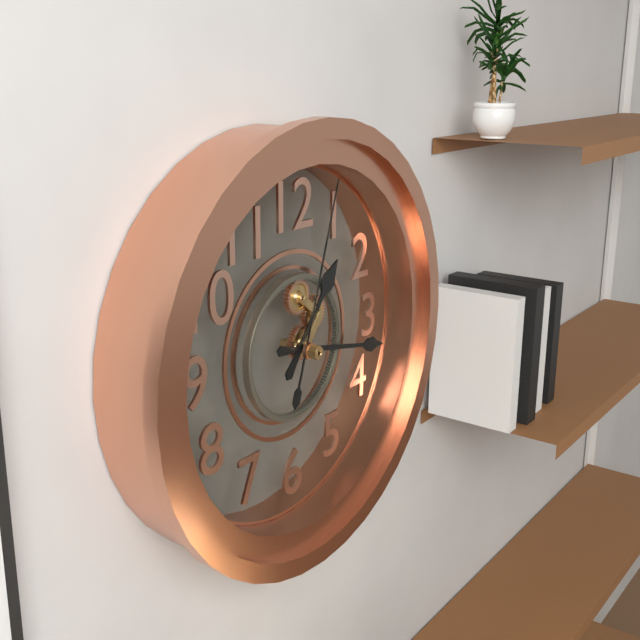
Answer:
1:17:03
